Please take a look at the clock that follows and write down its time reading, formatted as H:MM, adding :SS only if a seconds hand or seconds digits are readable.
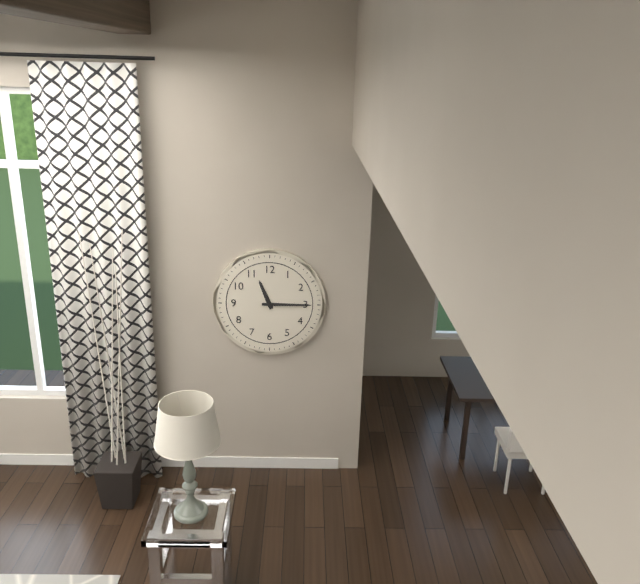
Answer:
11:15
